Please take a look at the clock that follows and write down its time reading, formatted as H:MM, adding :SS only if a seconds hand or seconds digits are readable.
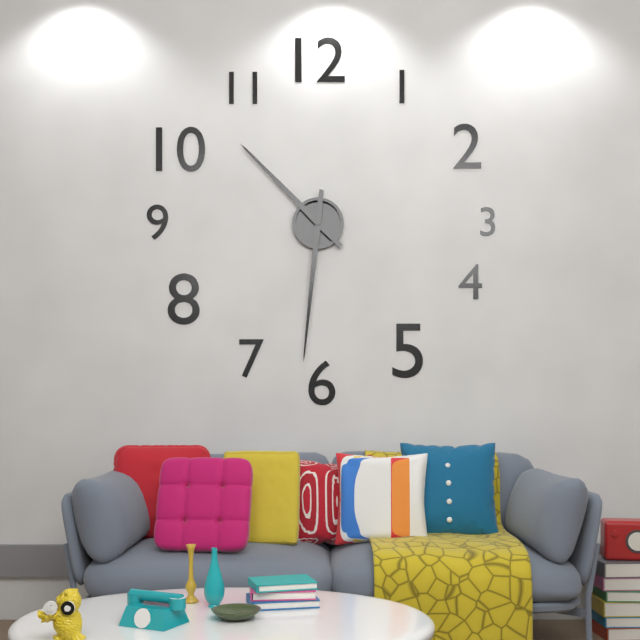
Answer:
10:31
